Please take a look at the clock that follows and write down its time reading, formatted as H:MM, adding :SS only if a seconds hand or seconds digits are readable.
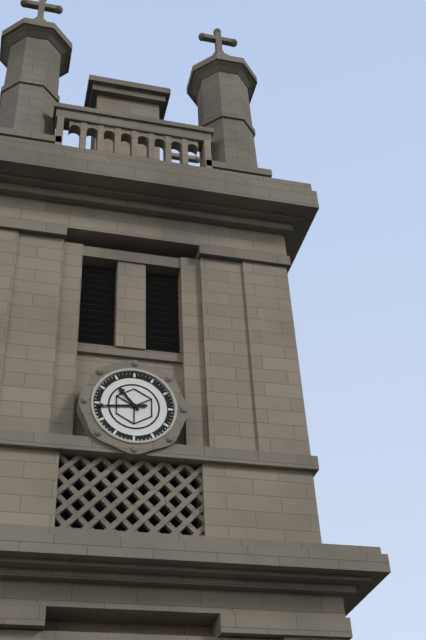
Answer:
10:44
